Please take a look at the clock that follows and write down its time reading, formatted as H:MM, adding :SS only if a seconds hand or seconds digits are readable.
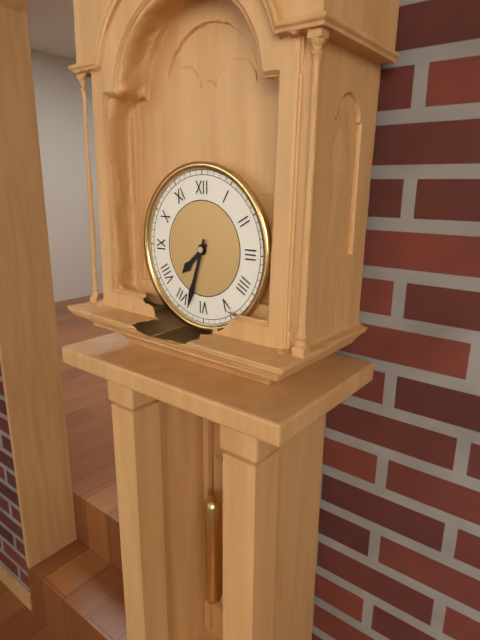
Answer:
7:33
